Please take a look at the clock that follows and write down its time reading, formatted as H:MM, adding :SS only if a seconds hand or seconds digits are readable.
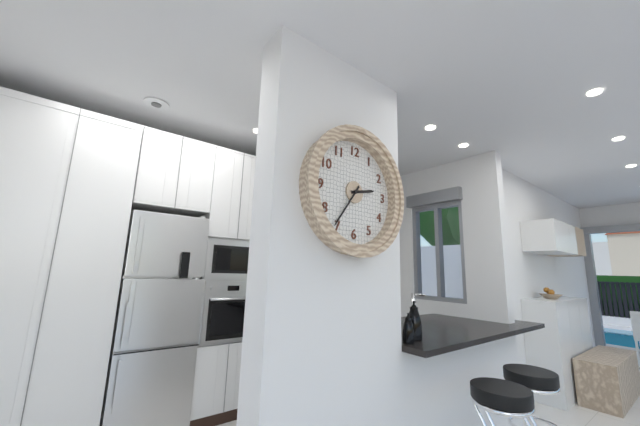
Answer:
2:36
